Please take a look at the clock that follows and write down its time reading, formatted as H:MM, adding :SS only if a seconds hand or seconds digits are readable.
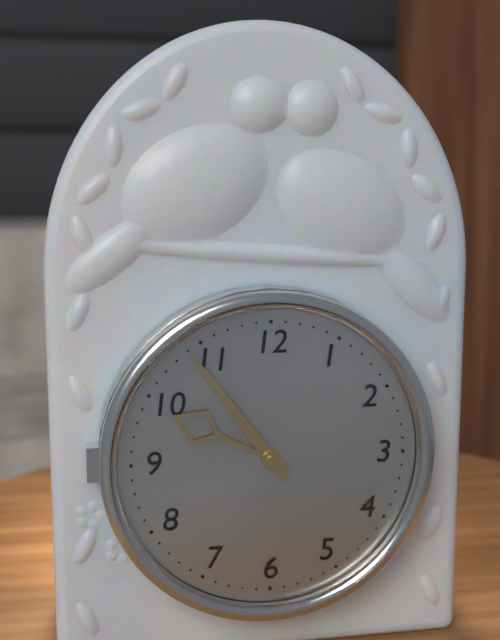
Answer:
9:54
